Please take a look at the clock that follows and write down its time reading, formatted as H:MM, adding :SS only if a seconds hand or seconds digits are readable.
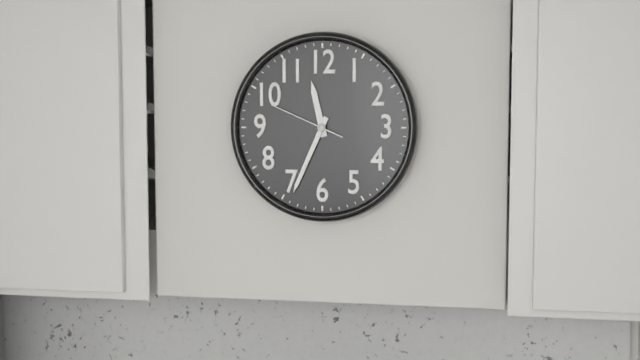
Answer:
11:34:49
